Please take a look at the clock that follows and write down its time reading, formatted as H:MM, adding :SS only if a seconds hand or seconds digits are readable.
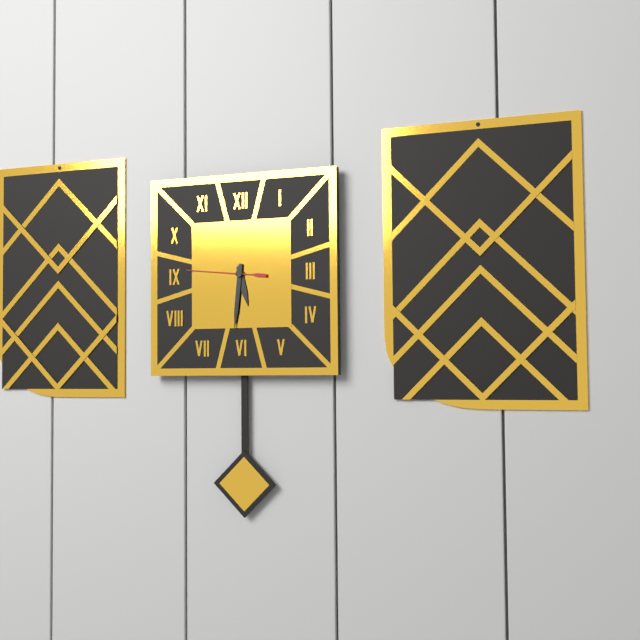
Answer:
5:31:46
